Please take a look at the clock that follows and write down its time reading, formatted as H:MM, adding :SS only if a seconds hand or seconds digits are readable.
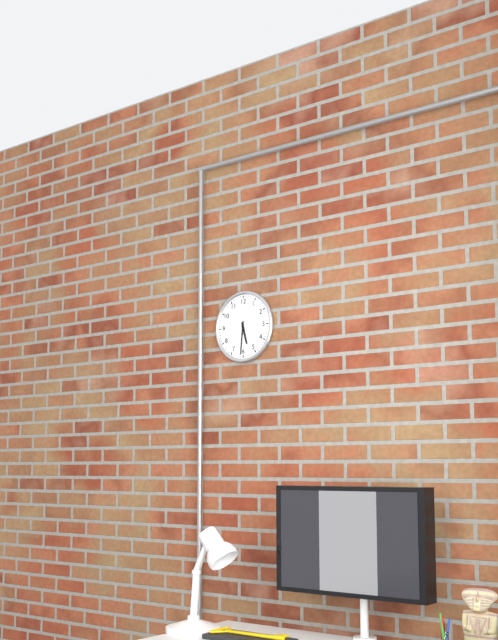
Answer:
5:31
